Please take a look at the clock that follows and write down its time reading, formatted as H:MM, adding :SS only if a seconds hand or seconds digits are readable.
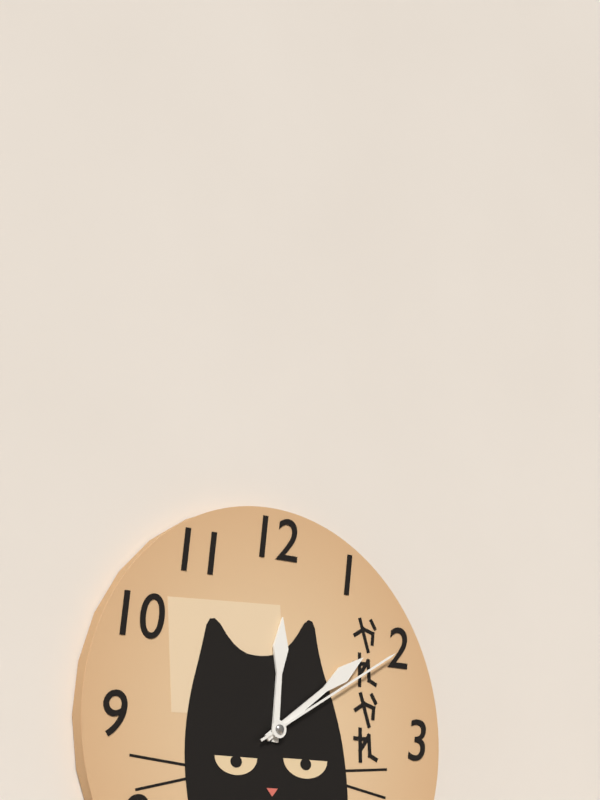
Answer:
12:09:10
